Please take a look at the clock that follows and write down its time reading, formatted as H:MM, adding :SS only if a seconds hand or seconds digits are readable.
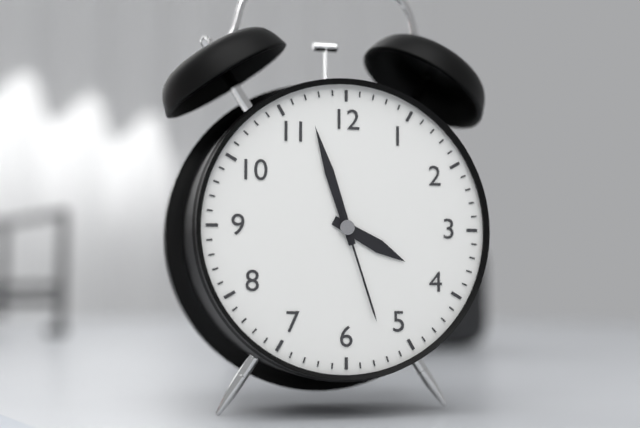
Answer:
3:57:27
